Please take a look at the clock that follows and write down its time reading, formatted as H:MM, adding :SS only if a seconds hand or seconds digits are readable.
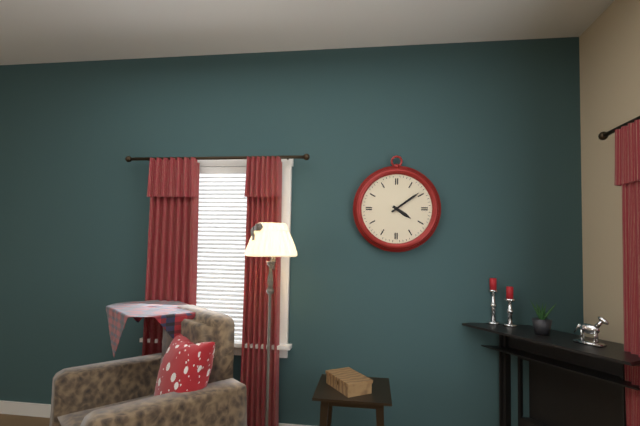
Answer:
4:09
